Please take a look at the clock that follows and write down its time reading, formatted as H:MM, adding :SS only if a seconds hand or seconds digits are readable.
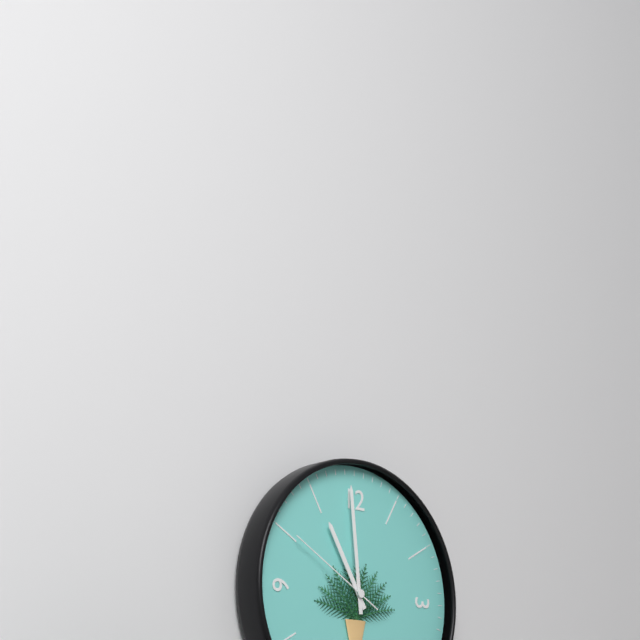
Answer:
10:59:50
